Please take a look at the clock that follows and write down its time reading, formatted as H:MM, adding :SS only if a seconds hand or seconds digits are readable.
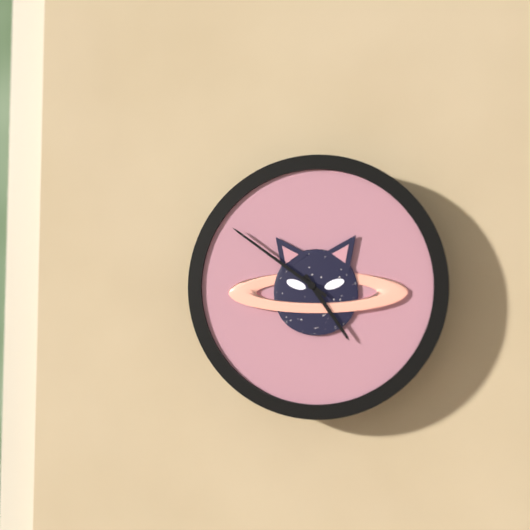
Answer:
4:51
